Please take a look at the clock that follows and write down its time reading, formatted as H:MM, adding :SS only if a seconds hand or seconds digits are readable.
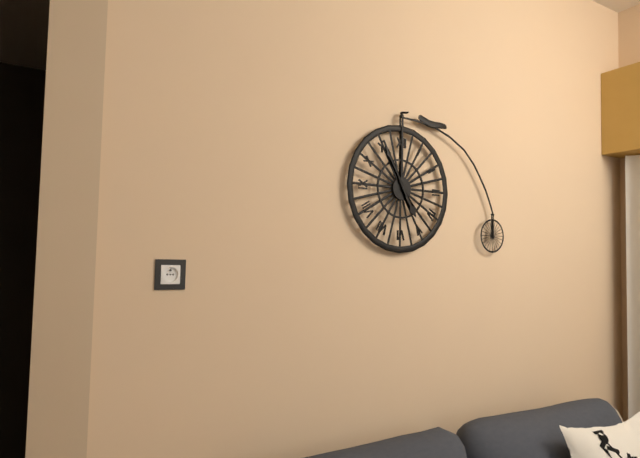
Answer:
4:55
